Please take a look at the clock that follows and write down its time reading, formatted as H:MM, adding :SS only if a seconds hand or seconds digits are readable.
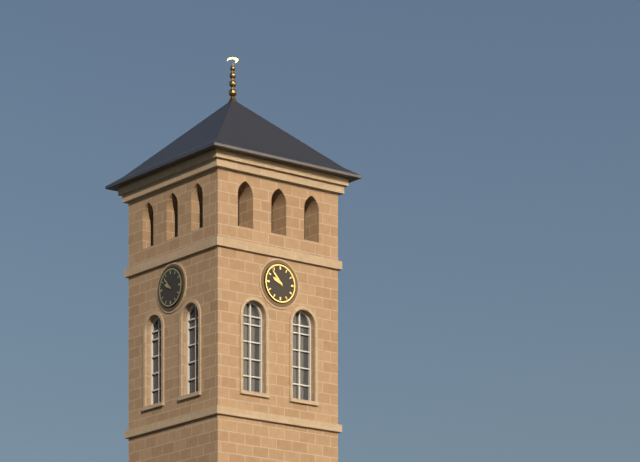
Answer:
9:53
